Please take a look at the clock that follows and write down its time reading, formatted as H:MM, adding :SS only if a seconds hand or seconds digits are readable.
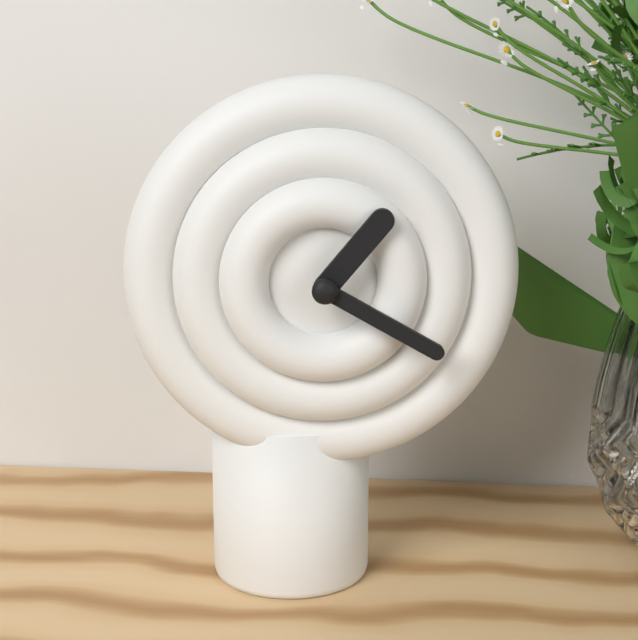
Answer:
1:20
